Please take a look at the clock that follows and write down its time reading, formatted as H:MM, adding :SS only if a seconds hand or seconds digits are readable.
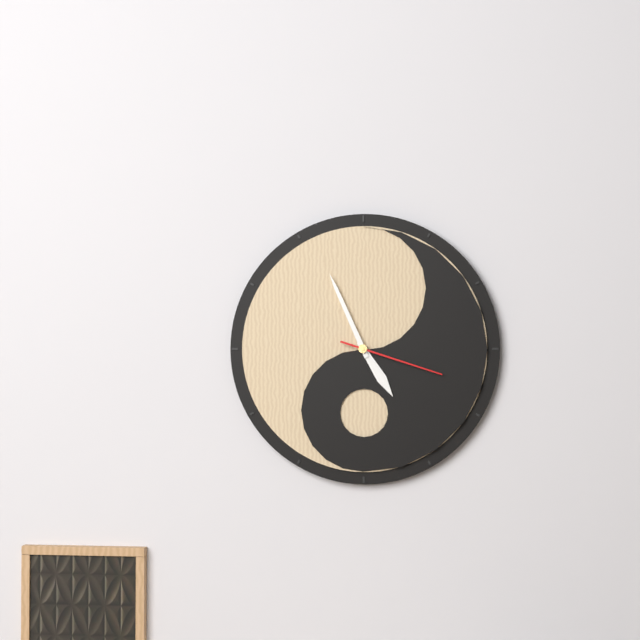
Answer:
4:56:18
